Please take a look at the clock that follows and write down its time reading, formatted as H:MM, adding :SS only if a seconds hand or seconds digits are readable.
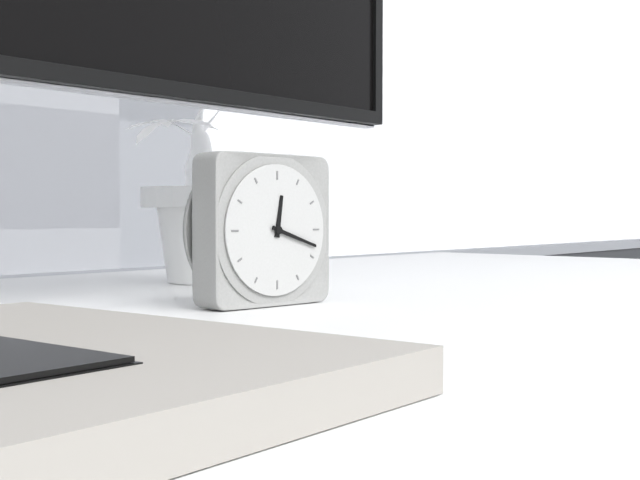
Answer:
12:18
